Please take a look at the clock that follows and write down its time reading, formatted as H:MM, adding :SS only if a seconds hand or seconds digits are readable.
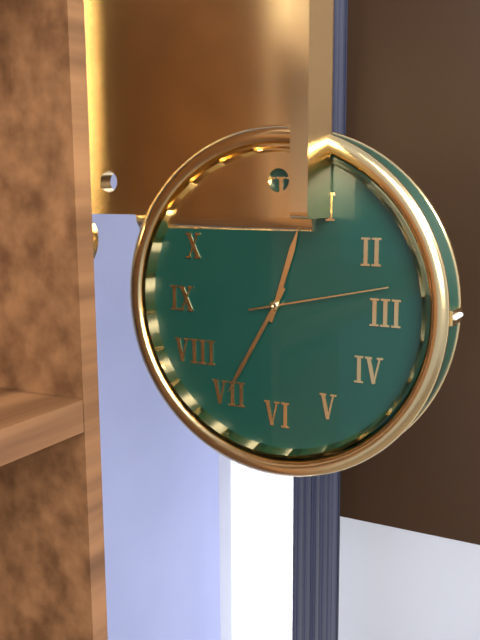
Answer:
12:35:13
